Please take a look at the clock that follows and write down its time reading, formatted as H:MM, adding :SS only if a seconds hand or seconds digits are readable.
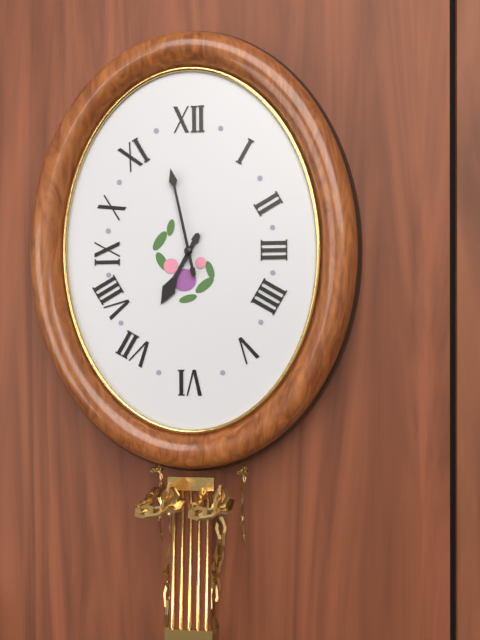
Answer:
6:58
